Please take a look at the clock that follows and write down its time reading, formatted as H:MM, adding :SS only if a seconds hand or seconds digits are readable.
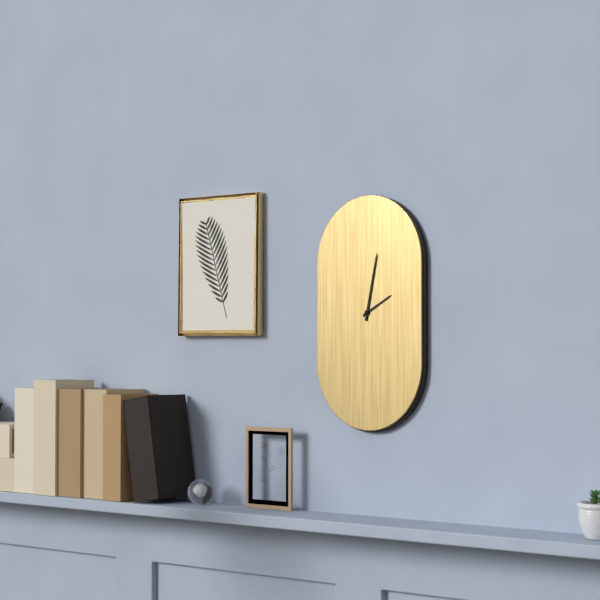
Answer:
2:02
